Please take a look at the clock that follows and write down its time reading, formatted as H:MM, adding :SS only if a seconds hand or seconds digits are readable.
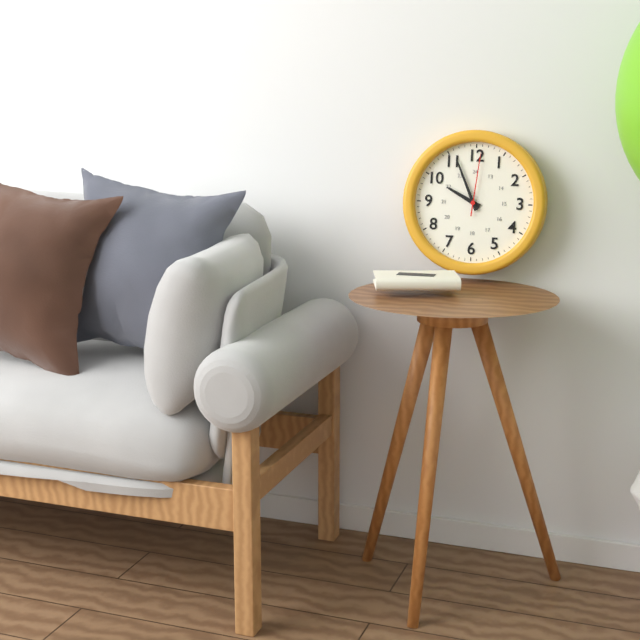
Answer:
9:56:01
